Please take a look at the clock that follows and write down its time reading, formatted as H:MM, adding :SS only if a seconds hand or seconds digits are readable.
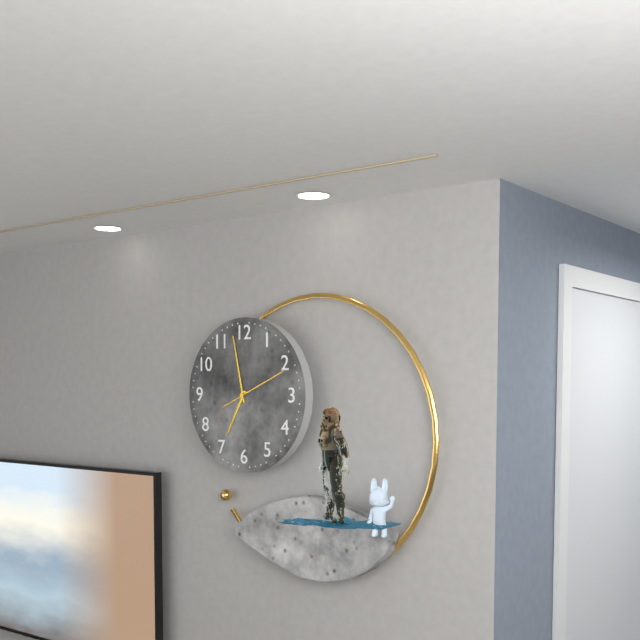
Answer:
6:58:11
